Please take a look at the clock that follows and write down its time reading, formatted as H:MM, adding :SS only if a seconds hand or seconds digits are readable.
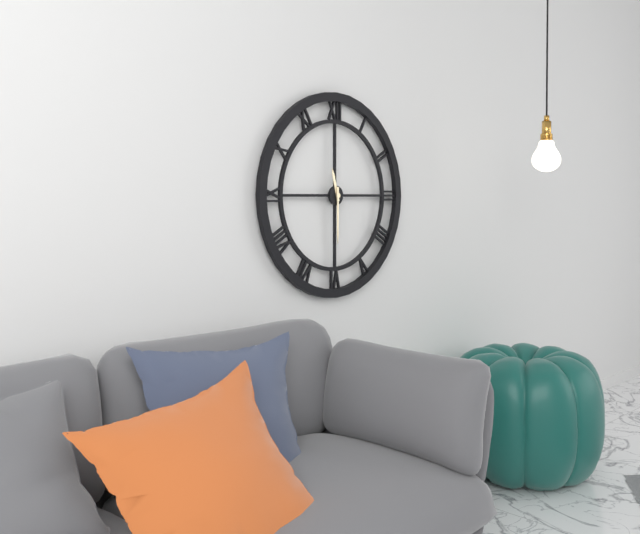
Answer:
11:30
